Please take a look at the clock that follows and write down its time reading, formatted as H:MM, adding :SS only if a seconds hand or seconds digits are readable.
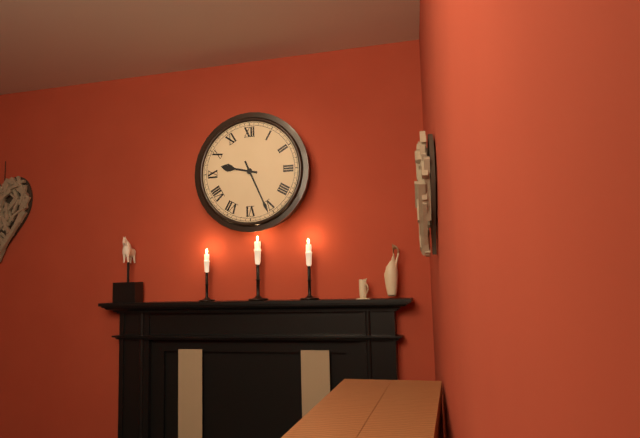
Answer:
9:26
